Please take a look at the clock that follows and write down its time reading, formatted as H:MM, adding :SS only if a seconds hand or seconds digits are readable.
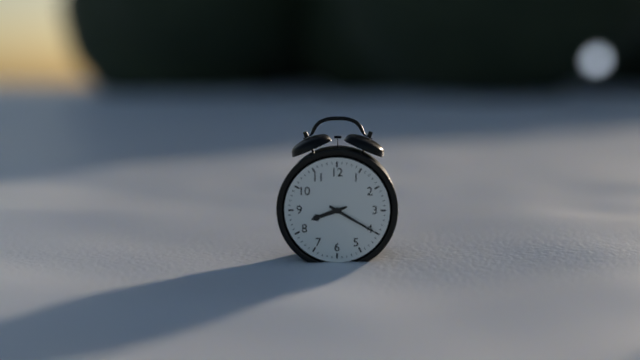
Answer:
8:20
